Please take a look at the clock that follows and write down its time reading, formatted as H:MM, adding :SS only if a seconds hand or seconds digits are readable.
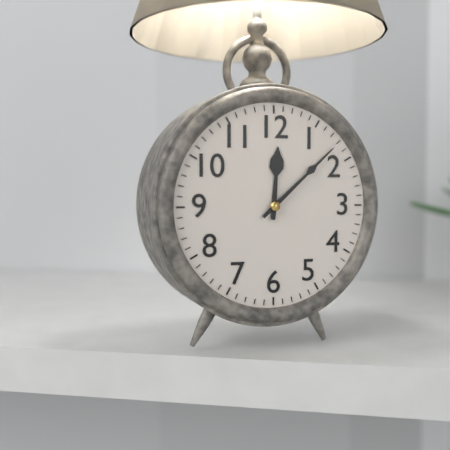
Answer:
12:08
